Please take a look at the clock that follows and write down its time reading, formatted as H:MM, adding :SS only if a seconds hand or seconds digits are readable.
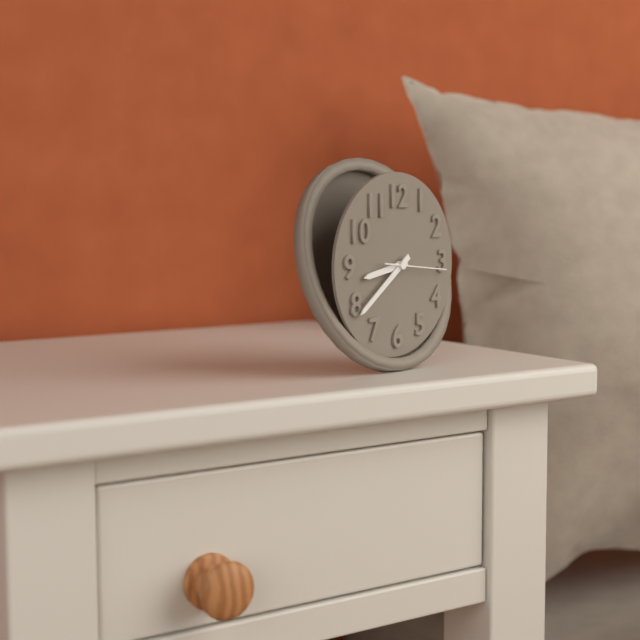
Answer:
8:39:16
